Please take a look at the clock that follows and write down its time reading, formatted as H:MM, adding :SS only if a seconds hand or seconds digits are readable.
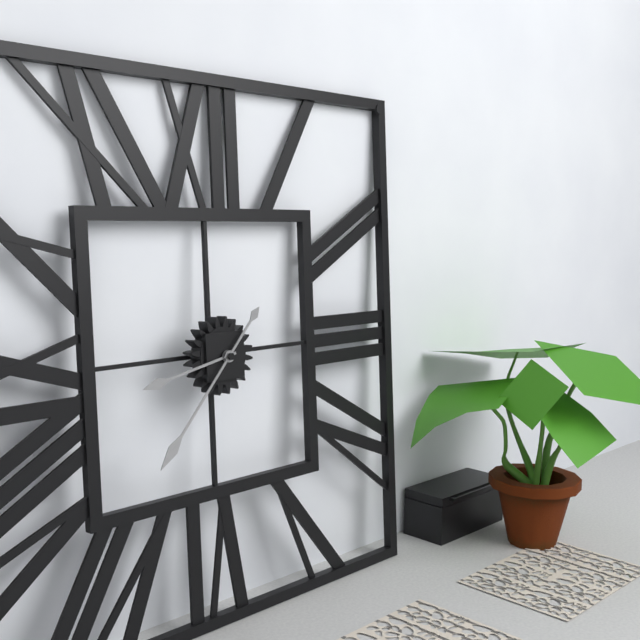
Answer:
8:37
